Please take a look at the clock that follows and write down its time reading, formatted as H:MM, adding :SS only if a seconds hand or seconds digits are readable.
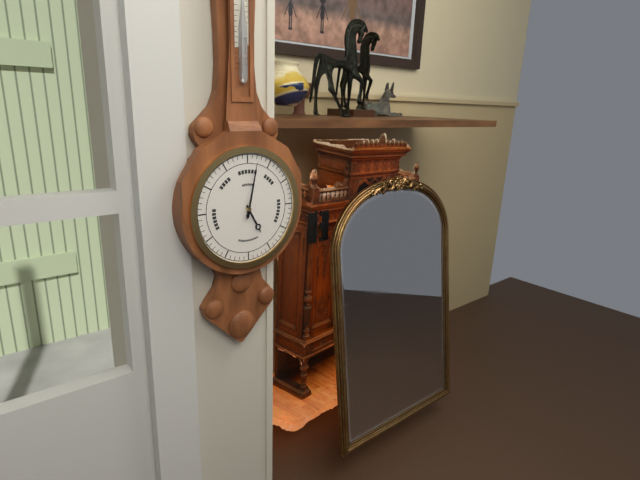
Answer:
5:02
